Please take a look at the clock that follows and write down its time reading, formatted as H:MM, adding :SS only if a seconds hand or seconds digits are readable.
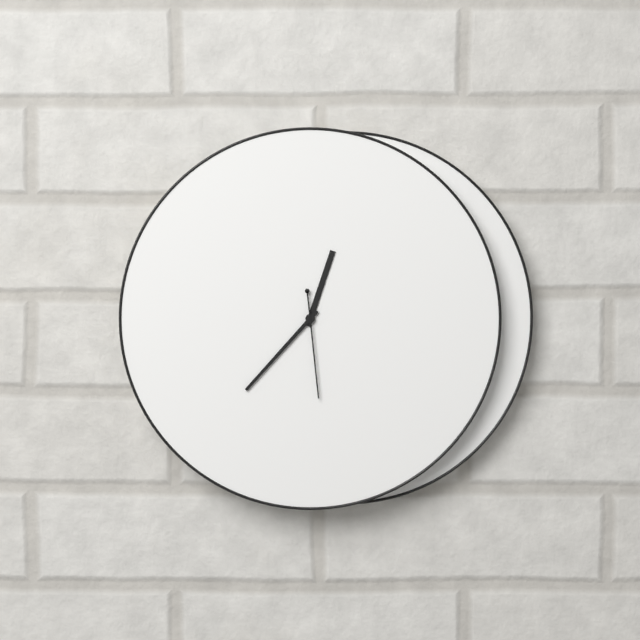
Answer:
12:37:29
